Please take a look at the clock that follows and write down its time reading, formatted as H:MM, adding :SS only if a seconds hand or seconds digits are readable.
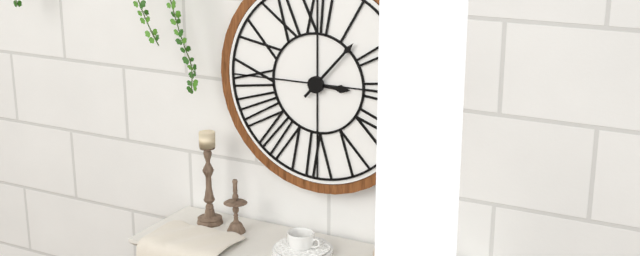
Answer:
3:07
